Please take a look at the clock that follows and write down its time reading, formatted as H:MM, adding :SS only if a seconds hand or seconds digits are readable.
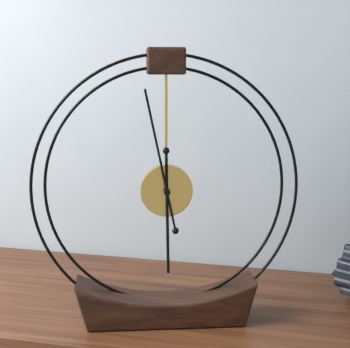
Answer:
5:58
